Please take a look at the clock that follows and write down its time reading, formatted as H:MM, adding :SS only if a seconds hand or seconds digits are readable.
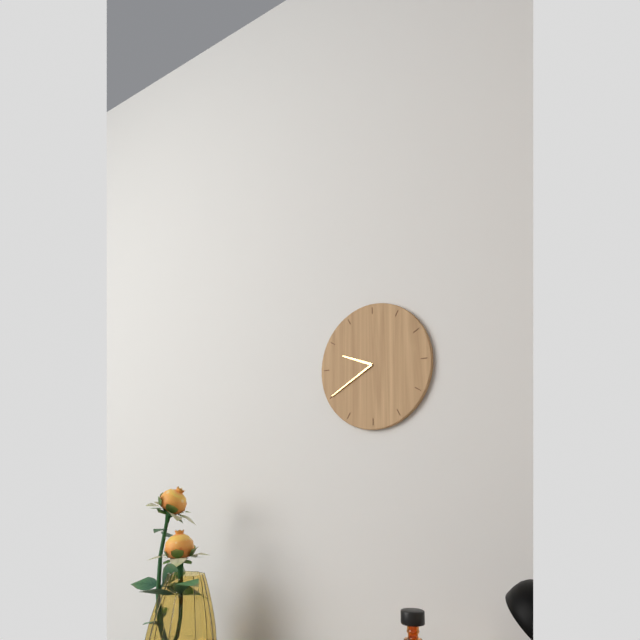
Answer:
9:40
